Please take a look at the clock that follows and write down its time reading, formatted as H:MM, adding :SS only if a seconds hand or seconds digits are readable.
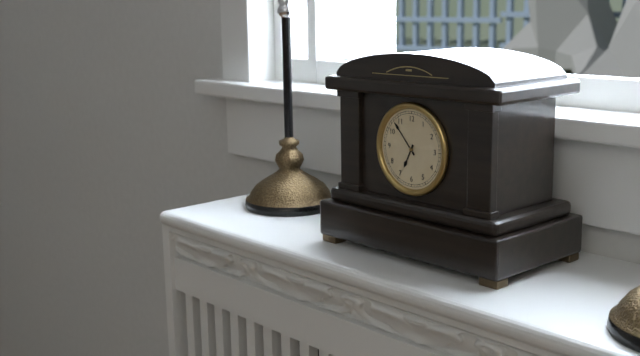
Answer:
6:53
